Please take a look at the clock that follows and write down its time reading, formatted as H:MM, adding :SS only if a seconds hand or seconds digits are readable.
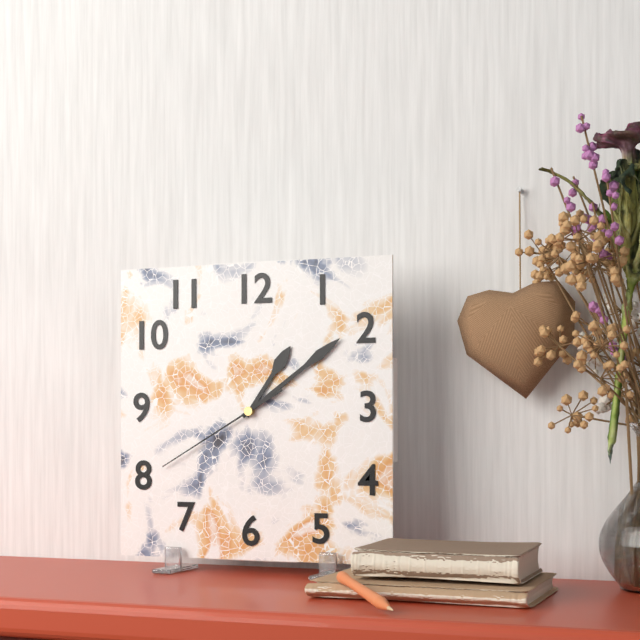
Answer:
1:09:40
